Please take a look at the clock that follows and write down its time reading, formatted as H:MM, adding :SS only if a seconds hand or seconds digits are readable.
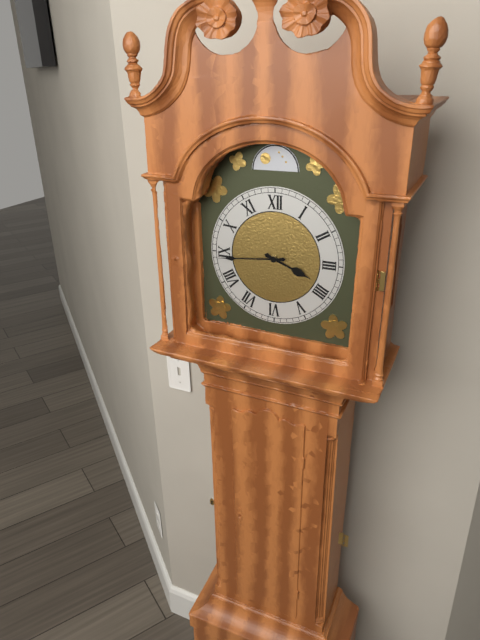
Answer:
3:44
